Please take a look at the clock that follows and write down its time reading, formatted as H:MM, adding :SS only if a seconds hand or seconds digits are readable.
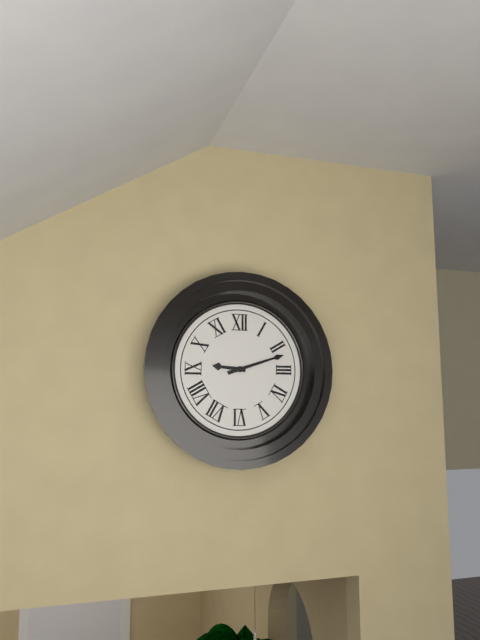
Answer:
9:12
